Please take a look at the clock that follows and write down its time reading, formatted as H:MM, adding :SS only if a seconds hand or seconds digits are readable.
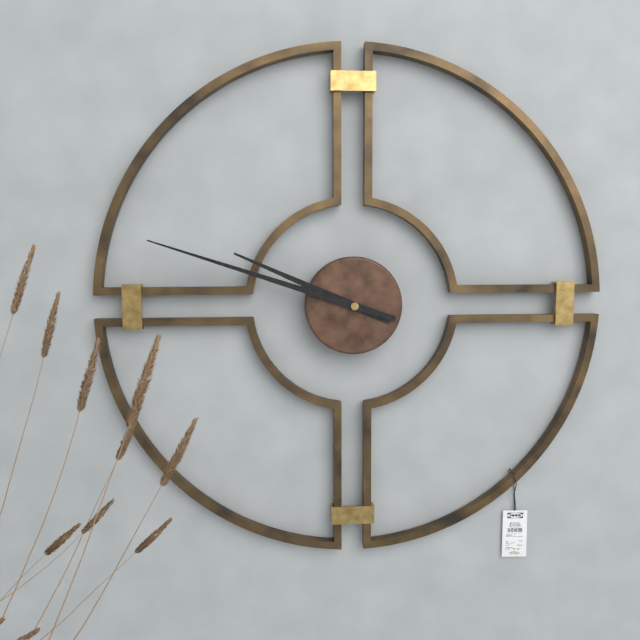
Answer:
9:48
